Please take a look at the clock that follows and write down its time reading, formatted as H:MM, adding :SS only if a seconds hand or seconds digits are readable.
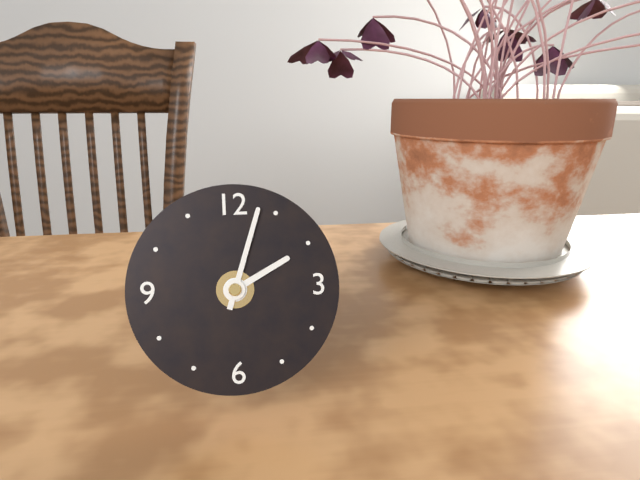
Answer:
2:03
